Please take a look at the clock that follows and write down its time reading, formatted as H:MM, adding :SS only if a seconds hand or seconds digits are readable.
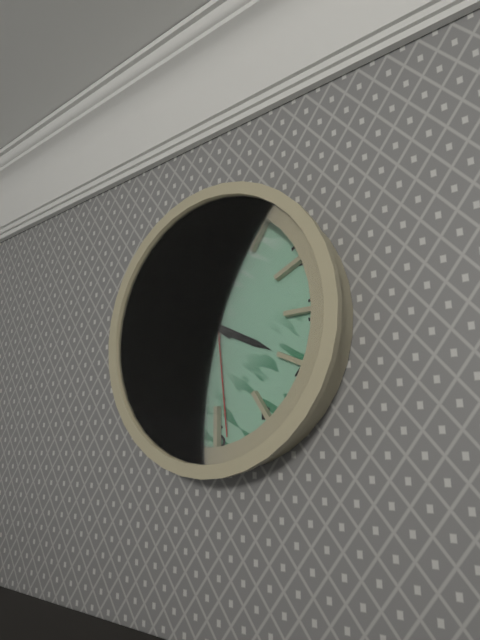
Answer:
3:51:29
